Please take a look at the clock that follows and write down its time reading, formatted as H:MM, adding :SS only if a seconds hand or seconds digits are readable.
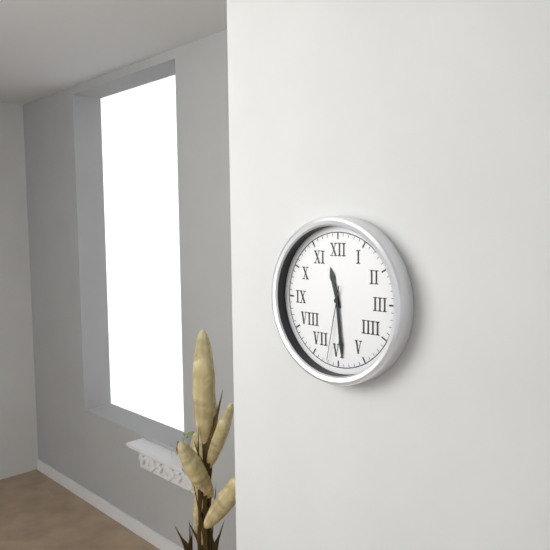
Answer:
11:29:32
